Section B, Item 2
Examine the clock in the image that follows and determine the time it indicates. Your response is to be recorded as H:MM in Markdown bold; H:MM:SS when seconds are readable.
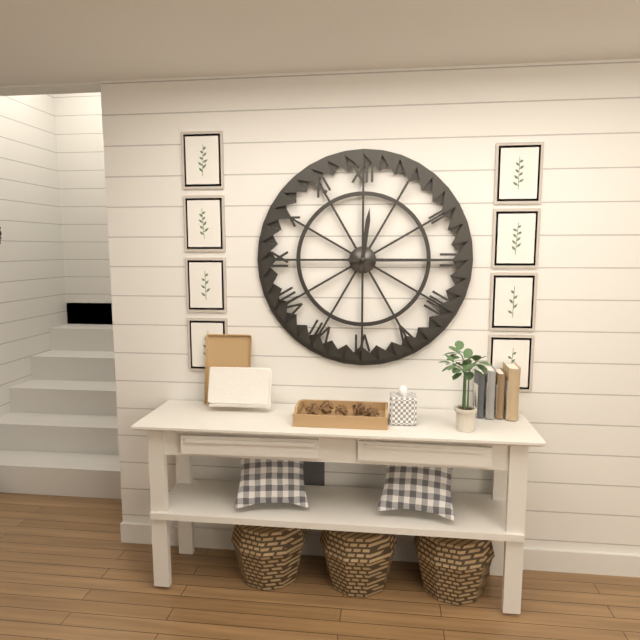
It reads **12:15**
